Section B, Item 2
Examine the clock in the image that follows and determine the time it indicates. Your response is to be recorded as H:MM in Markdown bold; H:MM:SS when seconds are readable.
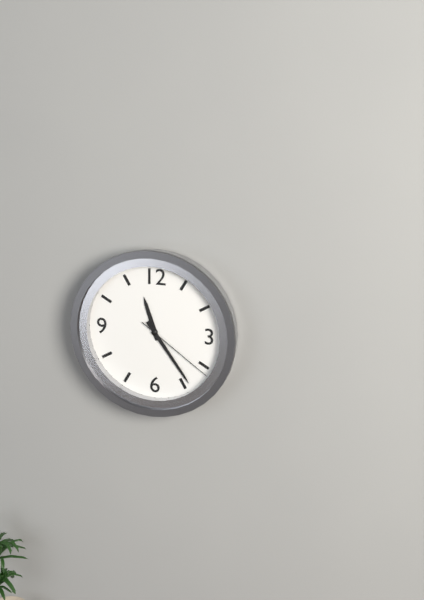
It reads **11:24:21**
